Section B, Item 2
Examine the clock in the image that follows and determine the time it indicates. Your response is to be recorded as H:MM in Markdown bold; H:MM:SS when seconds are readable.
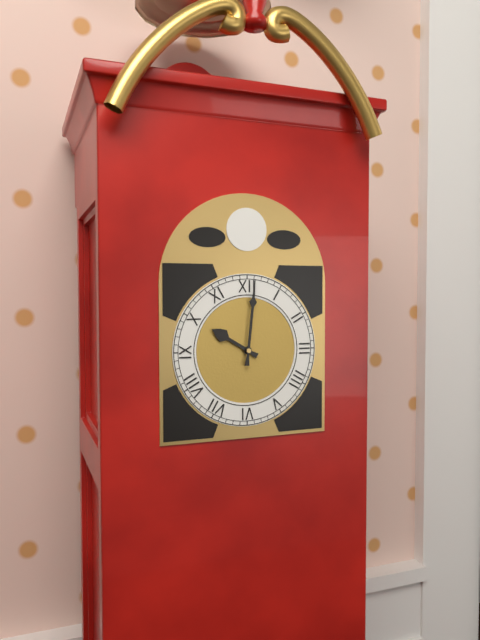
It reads **10:01**
